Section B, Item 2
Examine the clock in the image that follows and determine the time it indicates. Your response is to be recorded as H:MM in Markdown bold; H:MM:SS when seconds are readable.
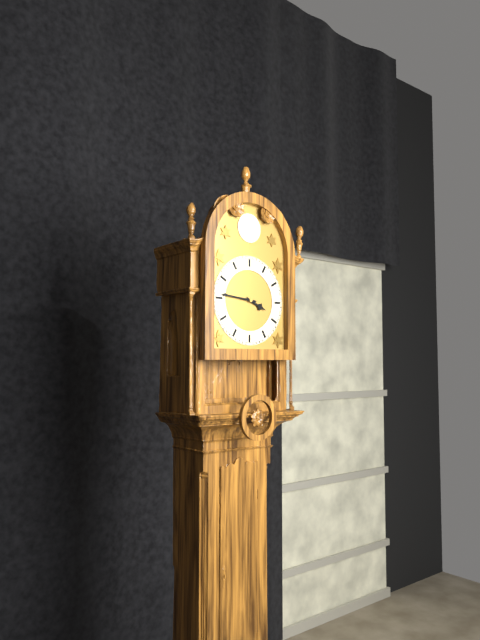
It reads **3:46**
